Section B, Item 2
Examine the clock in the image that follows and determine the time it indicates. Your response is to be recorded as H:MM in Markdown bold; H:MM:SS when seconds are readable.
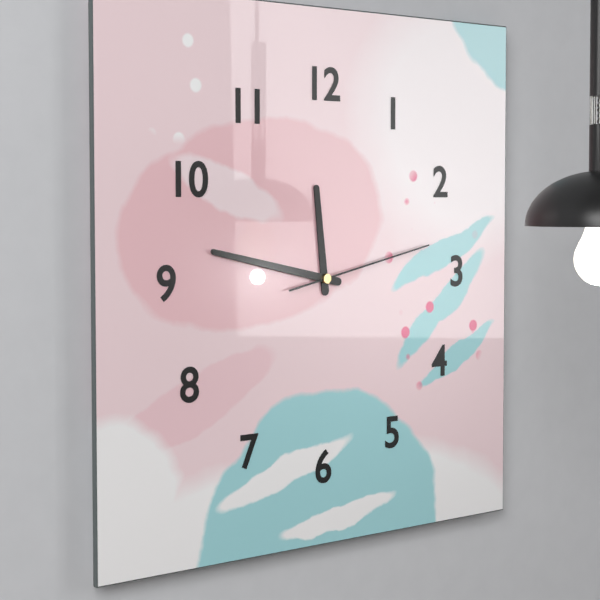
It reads **11:47:13**
